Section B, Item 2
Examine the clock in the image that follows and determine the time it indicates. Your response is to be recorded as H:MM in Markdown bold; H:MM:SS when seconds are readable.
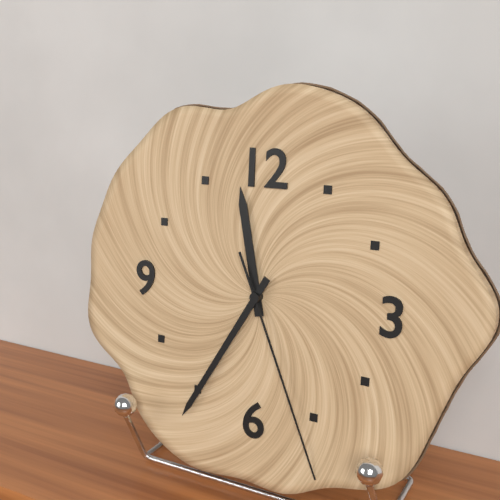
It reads **11:35:26**
